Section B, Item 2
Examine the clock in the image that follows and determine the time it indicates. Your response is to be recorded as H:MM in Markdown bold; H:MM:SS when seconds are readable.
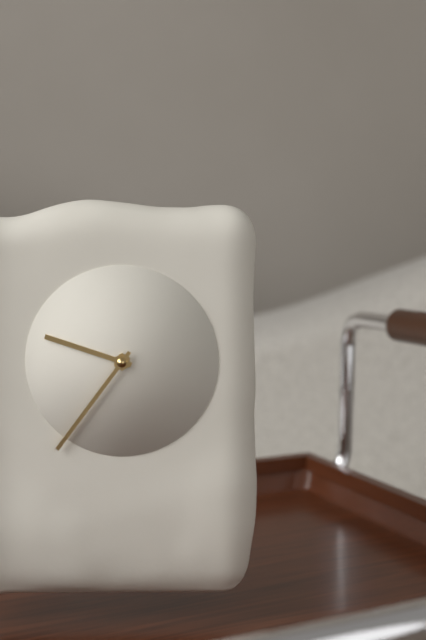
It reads **9:36**
